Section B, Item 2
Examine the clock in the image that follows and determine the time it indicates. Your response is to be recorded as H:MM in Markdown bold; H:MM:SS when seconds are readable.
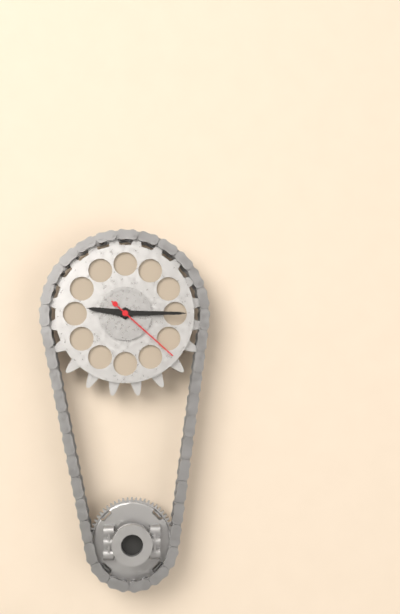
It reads **9:15:22**
